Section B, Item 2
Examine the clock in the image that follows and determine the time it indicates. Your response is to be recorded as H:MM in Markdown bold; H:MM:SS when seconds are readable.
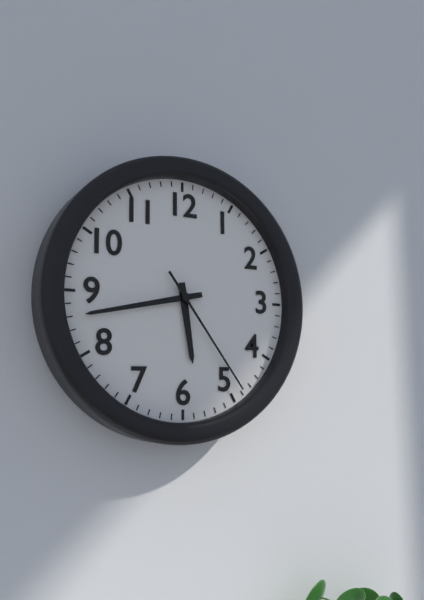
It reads **5:43:24**
